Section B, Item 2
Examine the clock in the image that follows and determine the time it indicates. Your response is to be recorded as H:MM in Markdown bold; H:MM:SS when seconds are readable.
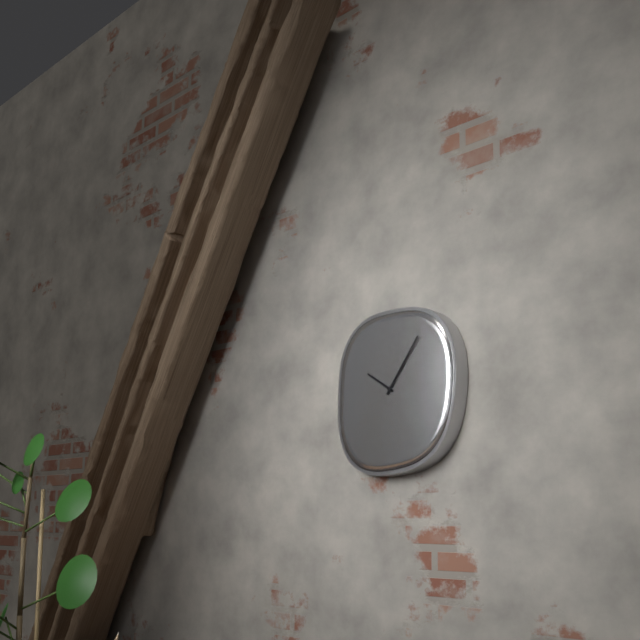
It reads **10:06**
